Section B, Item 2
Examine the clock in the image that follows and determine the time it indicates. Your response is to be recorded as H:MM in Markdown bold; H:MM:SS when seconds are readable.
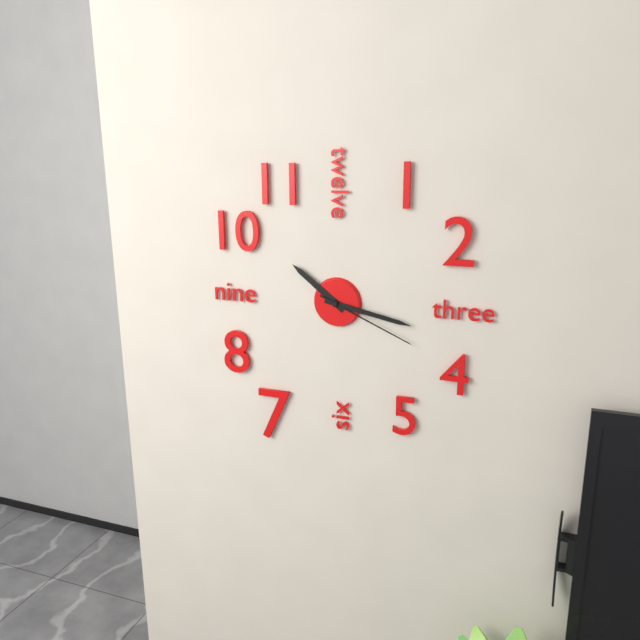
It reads **10:17:19**
